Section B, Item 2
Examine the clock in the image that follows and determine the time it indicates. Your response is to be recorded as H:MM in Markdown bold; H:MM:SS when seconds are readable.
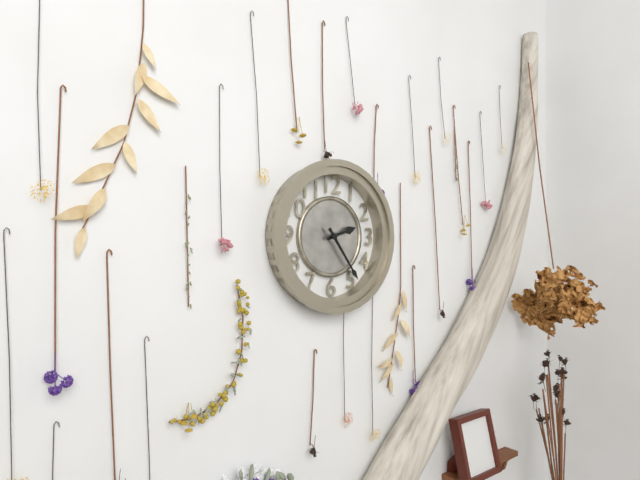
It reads **2:24**
